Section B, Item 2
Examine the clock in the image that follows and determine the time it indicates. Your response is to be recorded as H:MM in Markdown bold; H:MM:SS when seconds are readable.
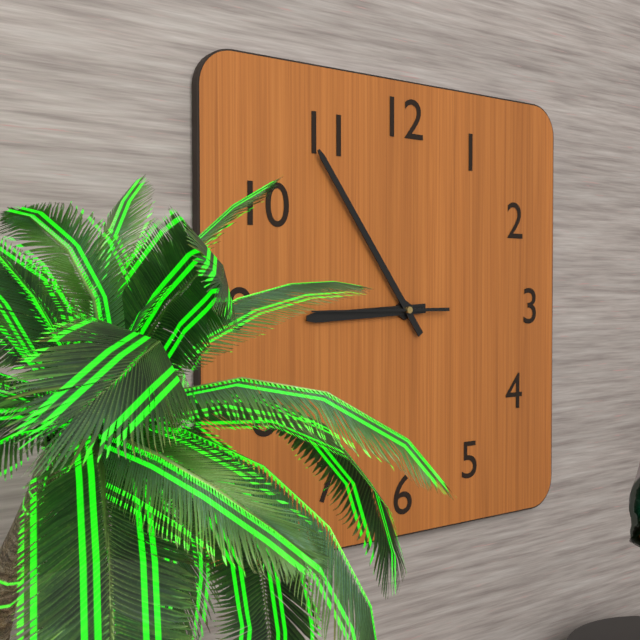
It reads **8:54:45**
